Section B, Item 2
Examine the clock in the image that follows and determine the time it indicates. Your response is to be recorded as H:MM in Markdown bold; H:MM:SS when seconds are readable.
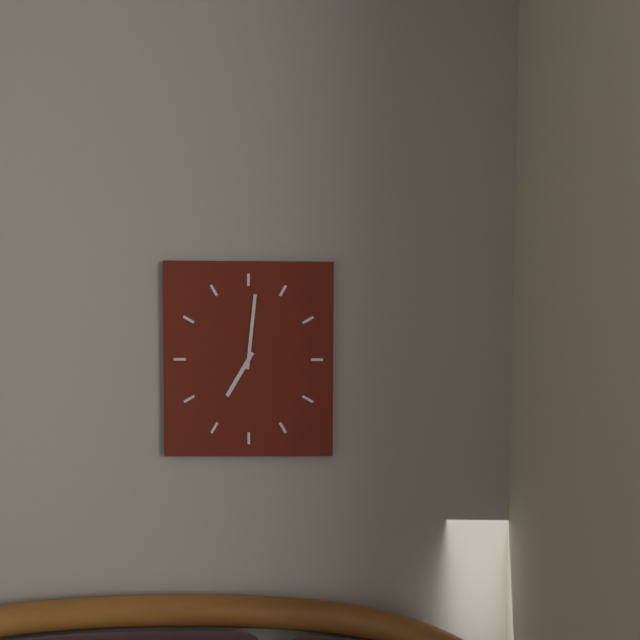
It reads **7:01**
